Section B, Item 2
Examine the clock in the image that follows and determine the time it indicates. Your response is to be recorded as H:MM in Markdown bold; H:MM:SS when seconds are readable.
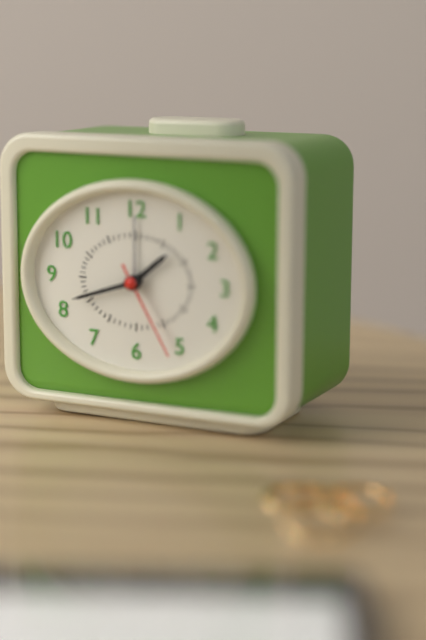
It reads **1:42:25**
